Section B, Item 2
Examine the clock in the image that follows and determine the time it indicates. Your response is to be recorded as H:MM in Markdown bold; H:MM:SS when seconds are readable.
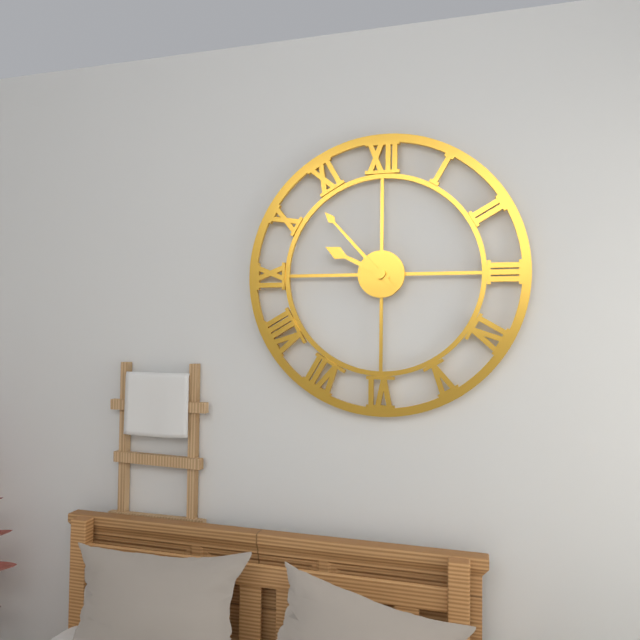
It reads **9:53**
